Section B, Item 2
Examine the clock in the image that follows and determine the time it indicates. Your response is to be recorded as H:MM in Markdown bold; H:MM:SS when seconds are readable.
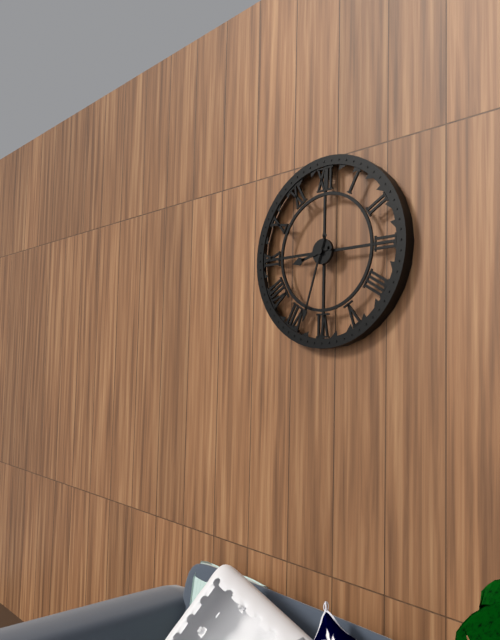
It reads **8:33**
